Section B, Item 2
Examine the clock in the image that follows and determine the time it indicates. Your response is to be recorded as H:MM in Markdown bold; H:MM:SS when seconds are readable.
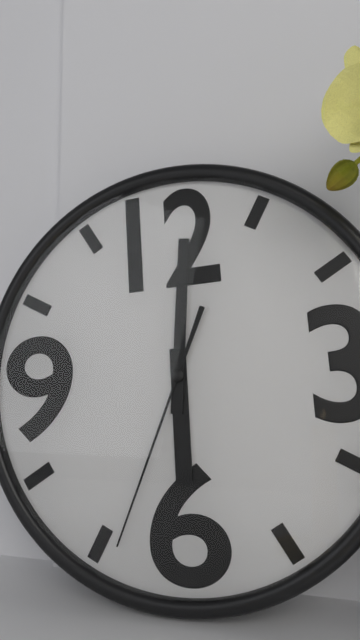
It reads **6:01:34**
